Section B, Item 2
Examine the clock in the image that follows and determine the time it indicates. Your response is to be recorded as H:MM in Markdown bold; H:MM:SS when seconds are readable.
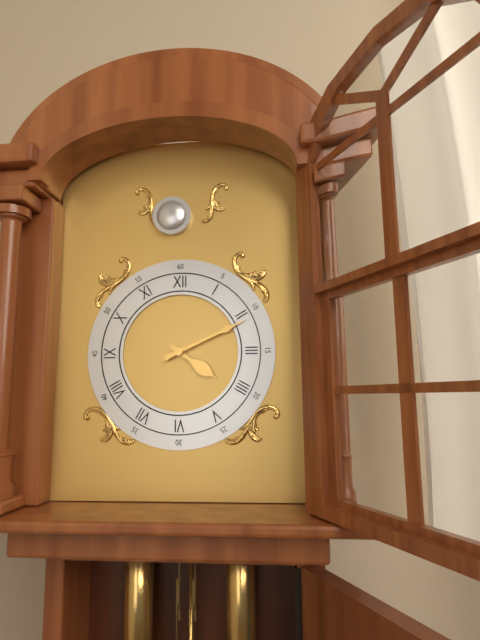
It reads **4:11**
